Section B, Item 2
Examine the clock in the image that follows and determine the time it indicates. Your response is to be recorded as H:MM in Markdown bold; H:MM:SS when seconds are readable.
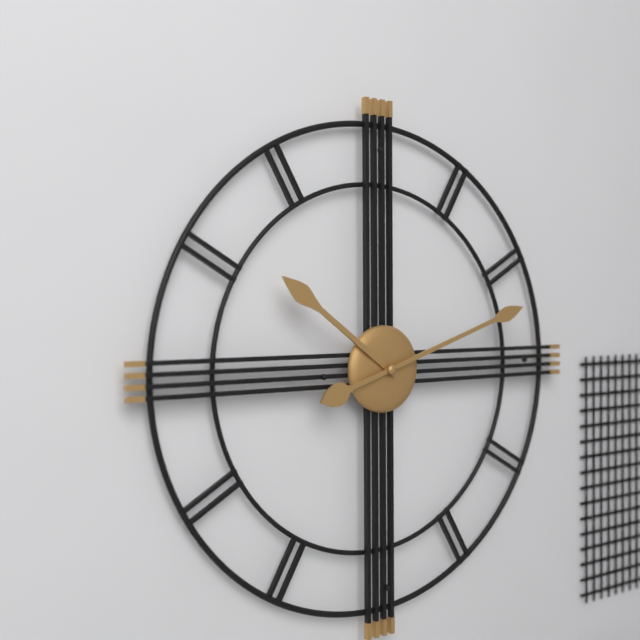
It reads **10:12**
